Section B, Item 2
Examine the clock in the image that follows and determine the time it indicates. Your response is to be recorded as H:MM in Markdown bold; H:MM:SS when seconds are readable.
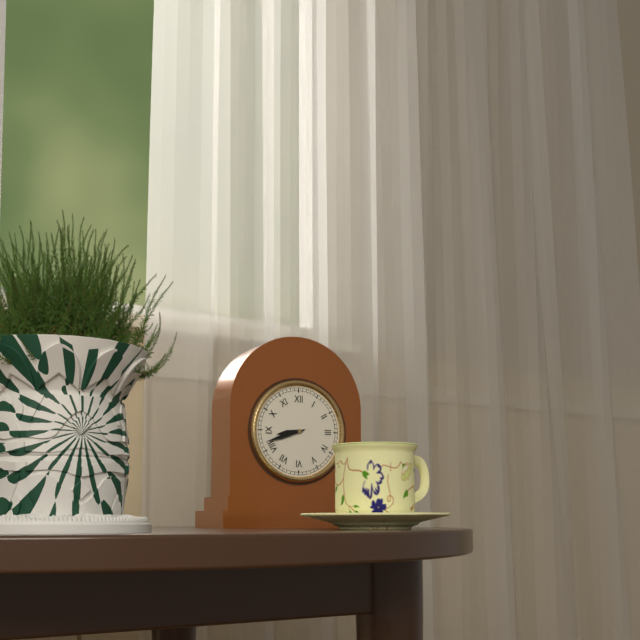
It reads **8:42**
